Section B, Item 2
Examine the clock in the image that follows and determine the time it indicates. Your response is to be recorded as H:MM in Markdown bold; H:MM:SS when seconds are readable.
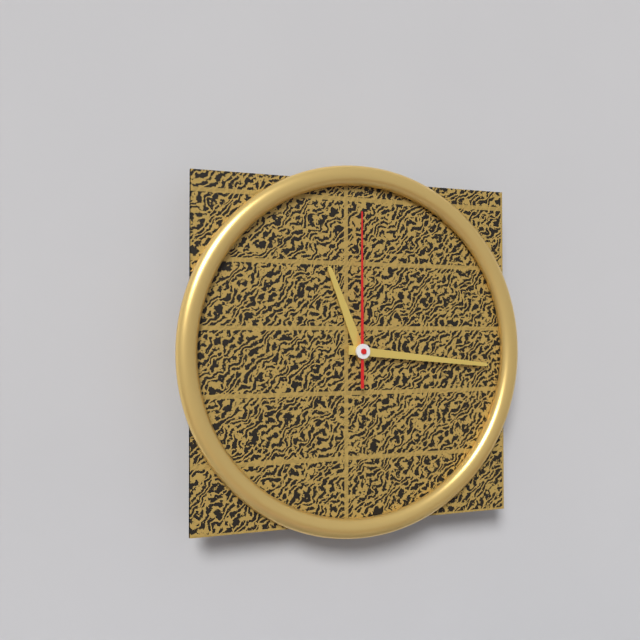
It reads **11:16:00**
